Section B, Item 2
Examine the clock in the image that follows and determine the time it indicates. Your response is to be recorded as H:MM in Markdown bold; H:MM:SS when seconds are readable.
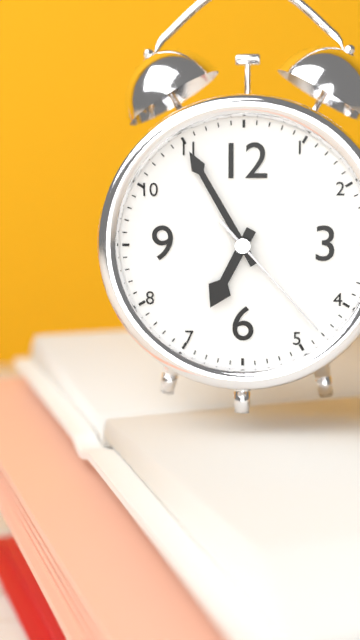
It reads **6:55:23**
